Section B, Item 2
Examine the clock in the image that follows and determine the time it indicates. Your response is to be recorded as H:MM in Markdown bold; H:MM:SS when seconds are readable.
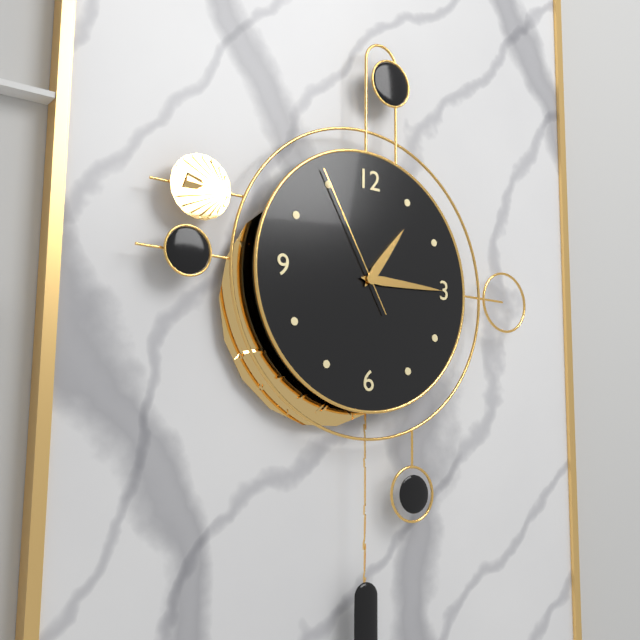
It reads **1:15:55**
